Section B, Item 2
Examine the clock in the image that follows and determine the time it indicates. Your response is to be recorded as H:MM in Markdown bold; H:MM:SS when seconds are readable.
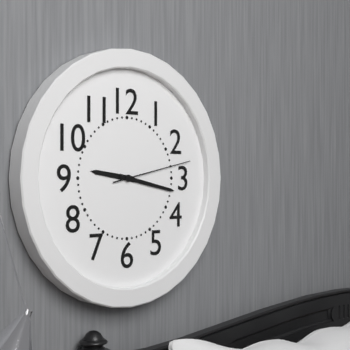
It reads **9:17:13**
